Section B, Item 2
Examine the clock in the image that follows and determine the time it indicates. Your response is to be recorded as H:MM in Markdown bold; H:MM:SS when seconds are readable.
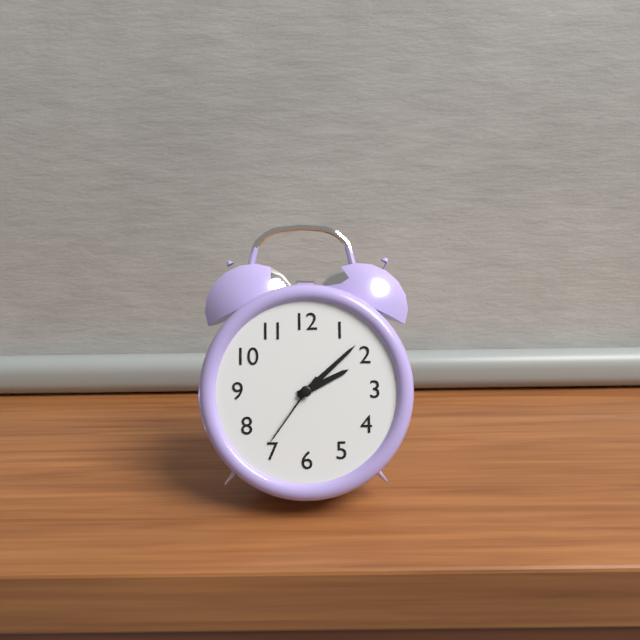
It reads **2:08:36**
